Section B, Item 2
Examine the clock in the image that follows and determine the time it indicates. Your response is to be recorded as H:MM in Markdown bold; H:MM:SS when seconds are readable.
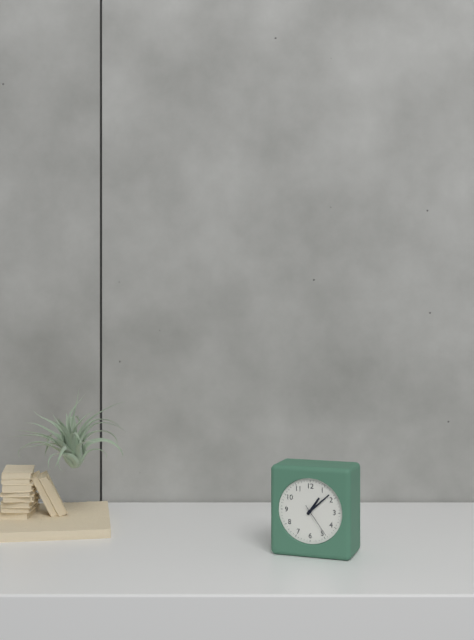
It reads **1:08**
